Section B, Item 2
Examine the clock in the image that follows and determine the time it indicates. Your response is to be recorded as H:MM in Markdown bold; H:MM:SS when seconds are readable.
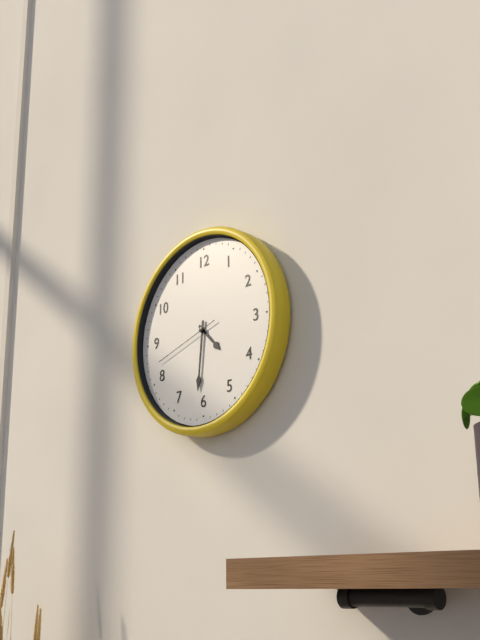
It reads **4:31:42**
